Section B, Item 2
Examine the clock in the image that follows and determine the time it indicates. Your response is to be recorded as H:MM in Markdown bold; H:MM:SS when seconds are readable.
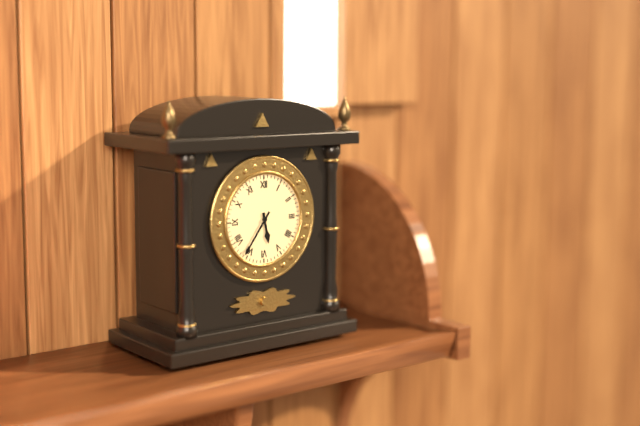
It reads **5:36**
